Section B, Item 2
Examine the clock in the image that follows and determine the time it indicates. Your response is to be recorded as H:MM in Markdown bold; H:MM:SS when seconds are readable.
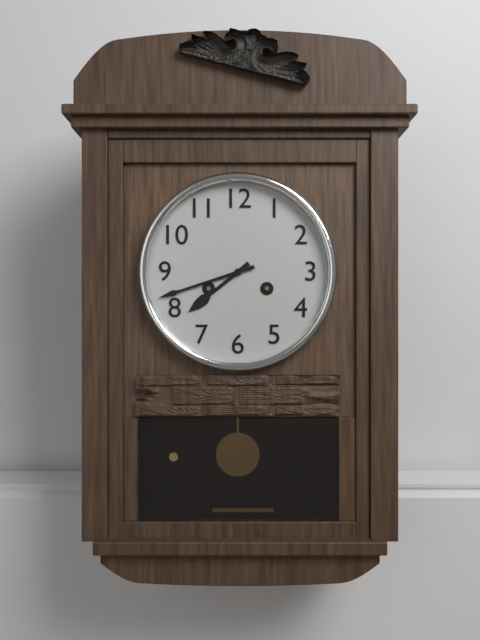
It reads **7:42**
